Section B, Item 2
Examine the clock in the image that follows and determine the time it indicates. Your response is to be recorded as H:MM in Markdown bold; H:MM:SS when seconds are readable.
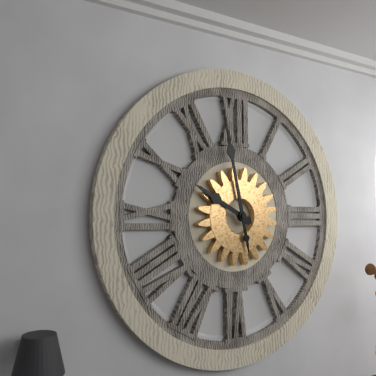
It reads **9:58**
